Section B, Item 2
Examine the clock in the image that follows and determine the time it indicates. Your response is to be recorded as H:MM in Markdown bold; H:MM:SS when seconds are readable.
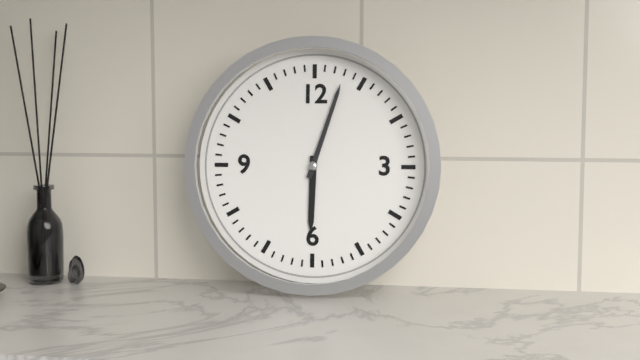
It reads **6:03**
